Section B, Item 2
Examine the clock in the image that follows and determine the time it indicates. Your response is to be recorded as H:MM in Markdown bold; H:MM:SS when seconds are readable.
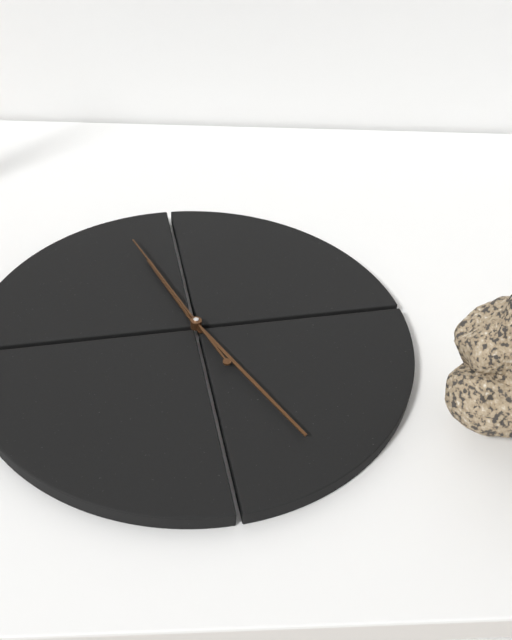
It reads **11:26:57**
